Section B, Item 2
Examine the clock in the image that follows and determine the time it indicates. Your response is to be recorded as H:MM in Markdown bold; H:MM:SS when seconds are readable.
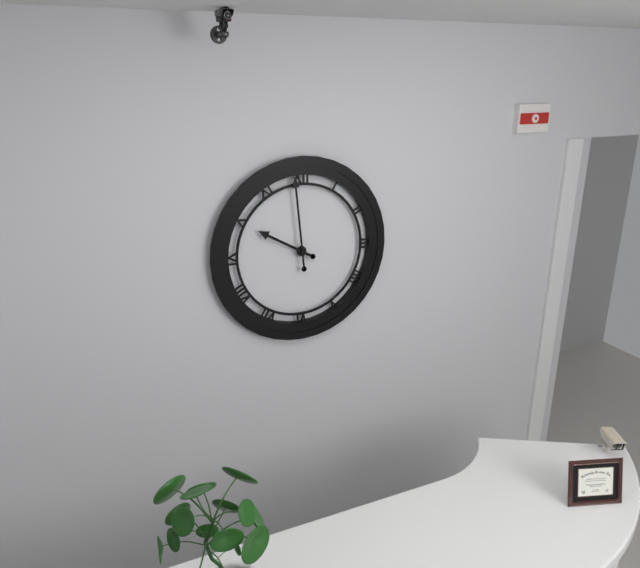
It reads **9:59**
